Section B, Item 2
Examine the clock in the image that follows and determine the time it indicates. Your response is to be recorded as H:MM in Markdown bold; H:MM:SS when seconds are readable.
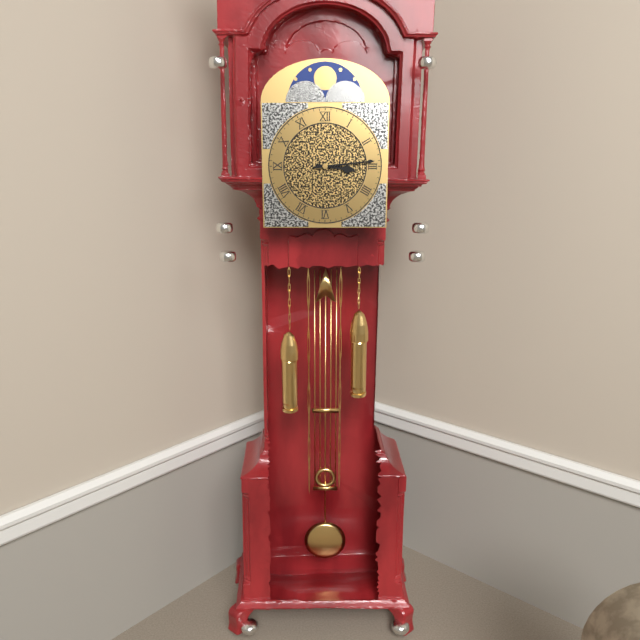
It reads **3:14**
